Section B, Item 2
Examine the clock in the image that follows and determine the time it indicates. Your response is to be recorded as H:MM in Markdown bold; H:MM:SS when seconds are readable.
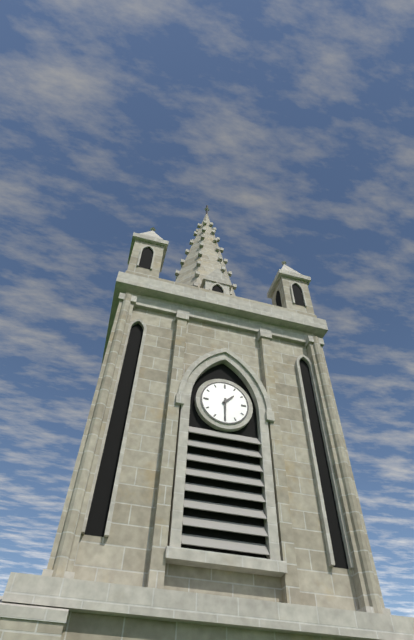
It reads **1:30**
